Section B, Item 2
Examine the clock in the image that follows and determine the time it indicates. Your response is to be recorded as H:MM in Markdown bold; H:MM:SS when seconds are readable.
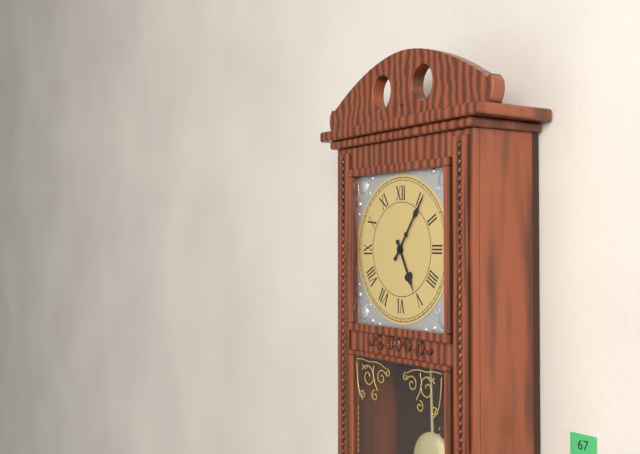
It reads **5:06**
